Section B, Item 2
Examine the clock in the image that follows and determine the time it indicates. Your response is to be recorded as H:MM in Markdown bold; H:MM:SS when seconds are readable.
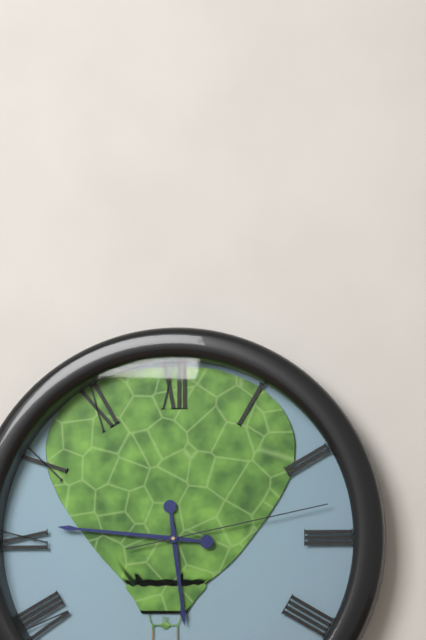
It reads **5:46:13**
